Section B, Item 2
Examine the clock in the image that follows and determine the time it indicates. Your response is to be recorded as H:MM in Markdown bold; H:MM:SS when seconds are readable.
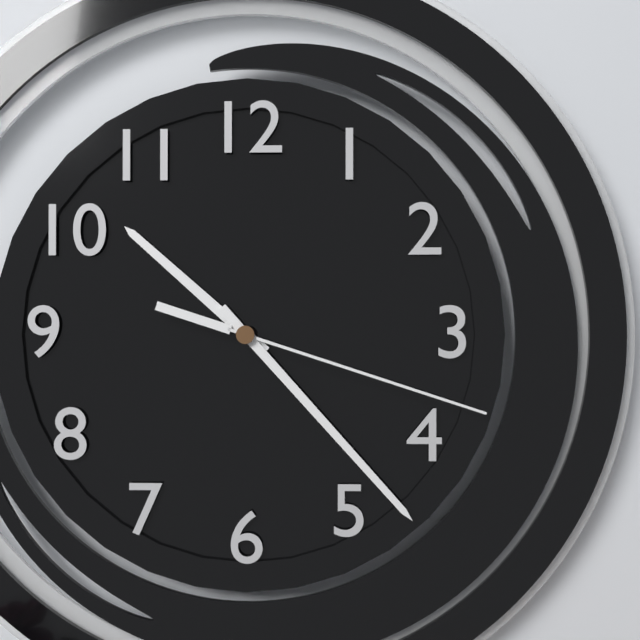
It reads **10:23:18**
